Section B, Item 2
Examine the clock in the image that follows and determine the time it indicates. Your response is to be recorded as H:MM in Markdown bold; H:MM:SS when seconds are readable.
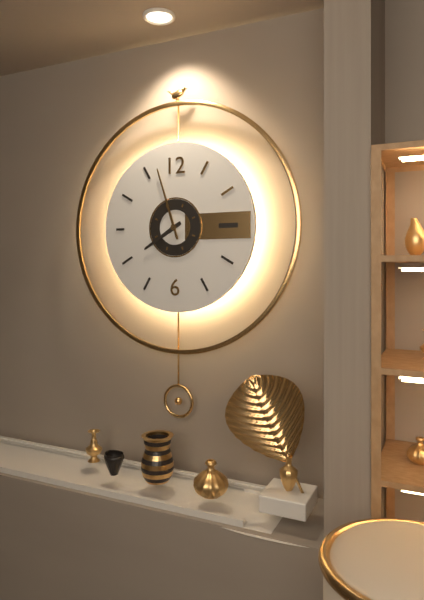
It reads **7:57**
